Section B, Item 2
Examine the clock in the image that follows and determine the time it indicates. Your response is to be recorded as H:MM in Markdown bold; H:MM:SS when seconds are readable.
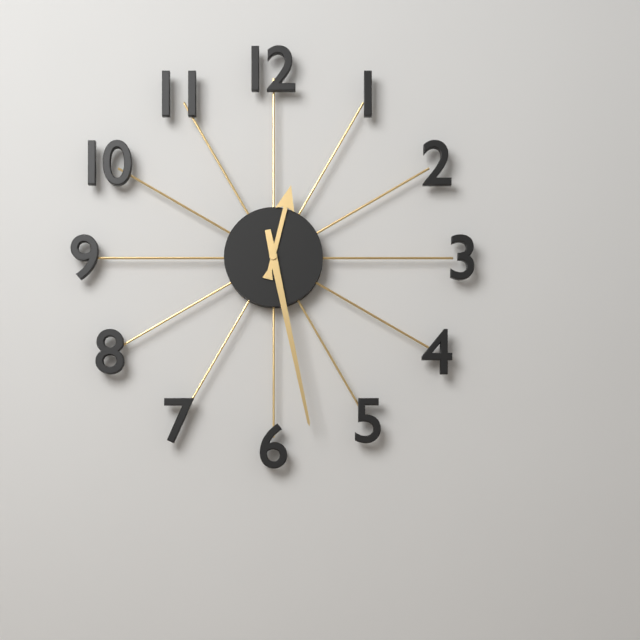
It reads **12:28**
